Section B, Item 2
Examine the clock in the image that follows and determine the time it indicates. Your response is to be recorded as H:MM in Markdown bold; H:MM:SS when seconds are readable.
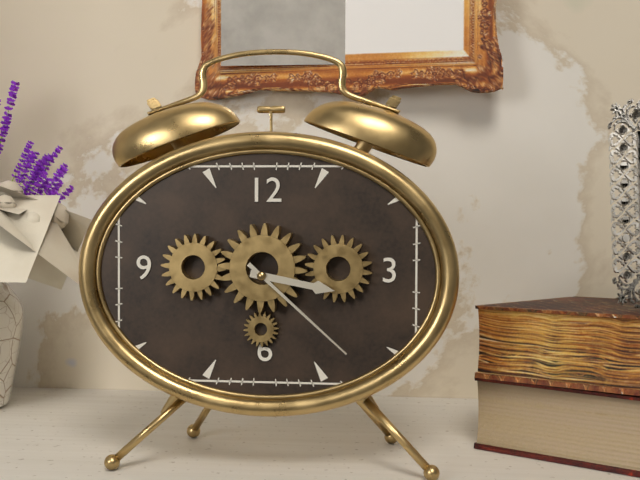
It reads **3:22**
